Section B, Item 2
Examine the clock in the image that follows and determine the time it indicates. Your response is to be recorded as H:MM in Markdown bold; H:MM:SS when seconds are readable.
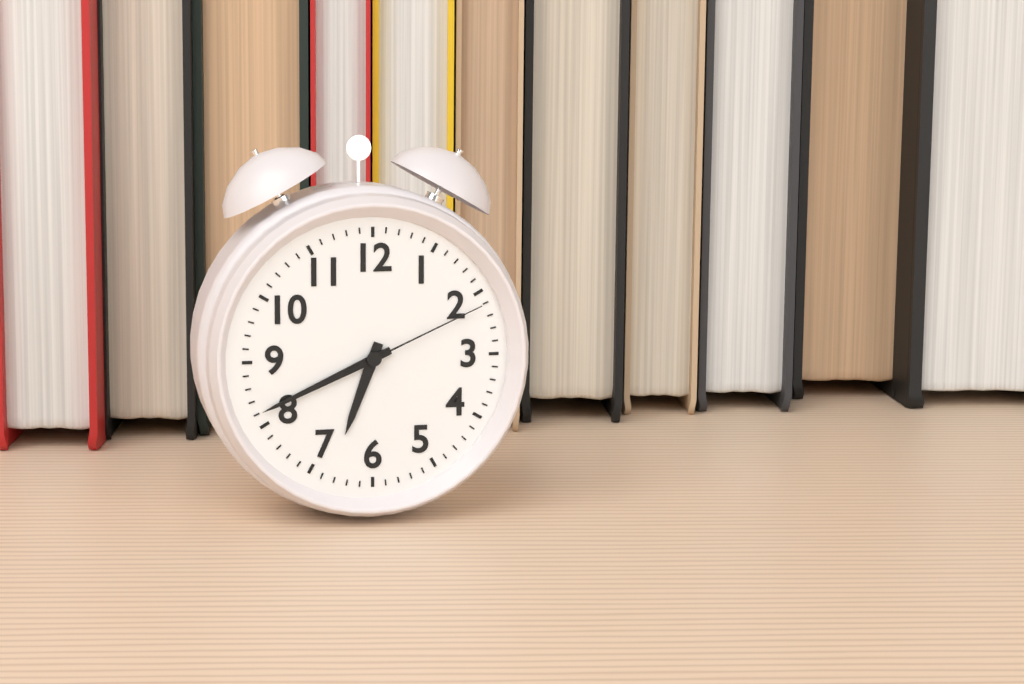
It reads **6:41:11**
